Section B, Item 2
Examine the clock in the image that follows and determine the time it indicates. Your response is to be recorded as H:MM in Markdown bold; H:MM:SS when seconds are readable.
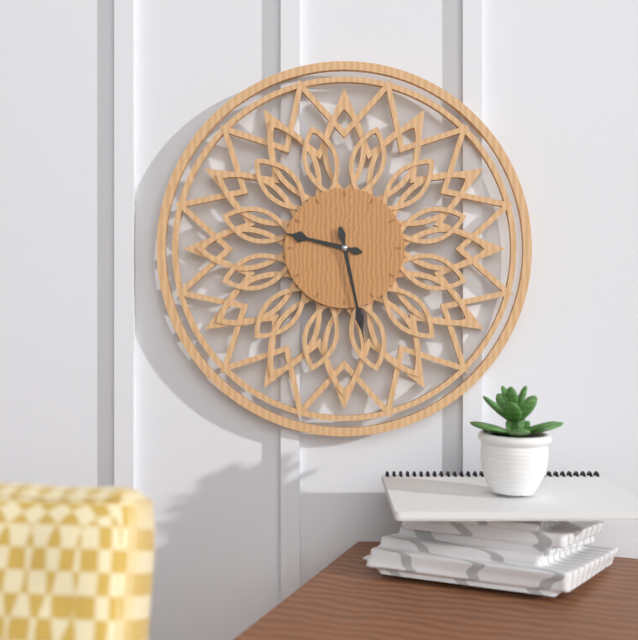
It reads **9:28**
